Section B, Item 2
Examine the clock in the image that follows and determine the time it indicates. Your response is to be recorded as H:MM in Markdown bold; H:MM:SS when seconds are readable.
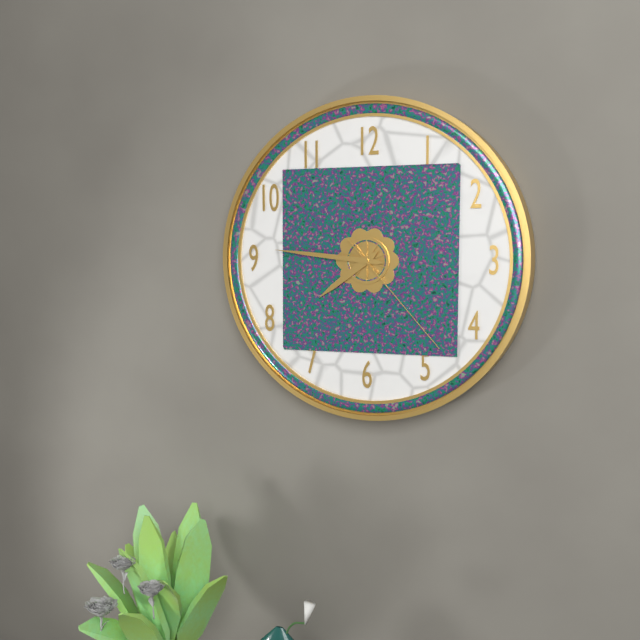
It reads **7:46:23**
